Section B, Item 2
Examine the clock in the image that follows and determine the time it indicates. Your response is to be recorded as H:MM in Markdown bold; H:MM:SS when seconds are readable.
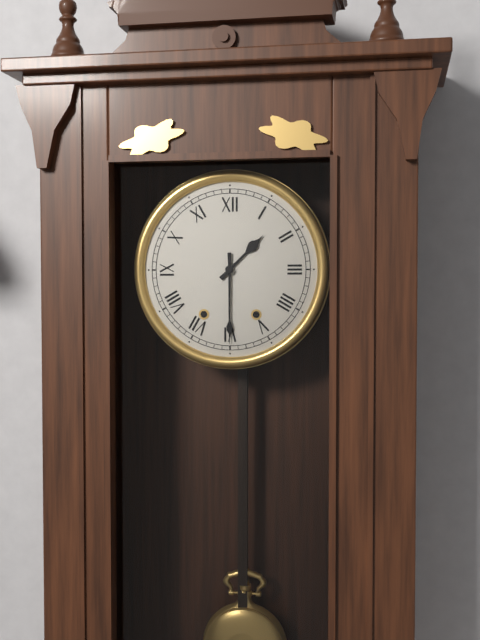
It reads **1:30**
